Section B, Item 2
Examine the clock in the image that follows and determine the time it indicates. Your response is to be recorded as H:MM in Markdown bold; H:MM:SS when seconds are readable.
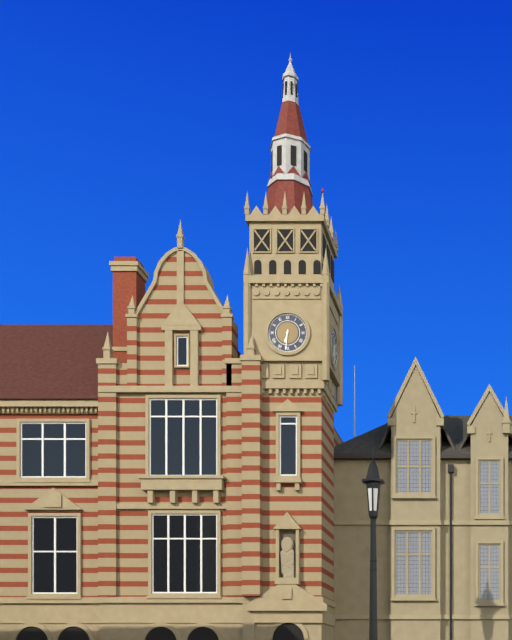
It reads **6:31**
